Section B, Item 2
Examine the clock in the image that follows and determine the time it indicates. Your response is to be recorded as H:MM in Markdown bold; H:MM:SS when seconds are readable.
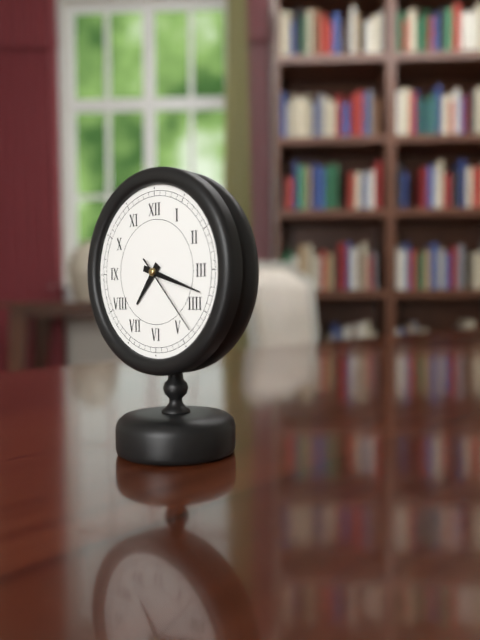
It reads **7:18:23**
